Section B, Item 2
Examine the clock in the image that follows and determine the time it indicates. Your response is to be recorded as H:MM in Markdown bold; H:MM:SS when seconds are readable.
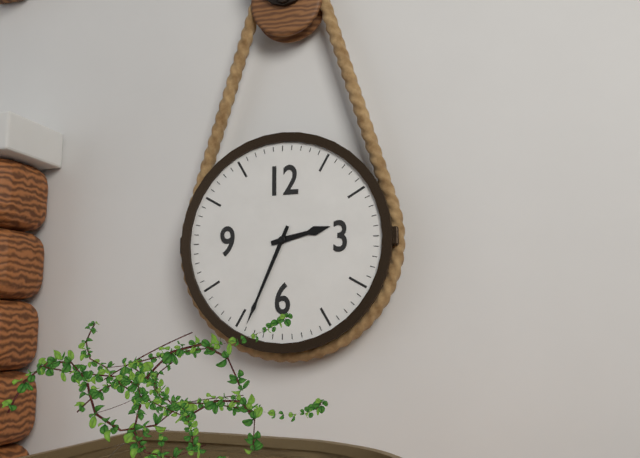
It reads **2:34**
